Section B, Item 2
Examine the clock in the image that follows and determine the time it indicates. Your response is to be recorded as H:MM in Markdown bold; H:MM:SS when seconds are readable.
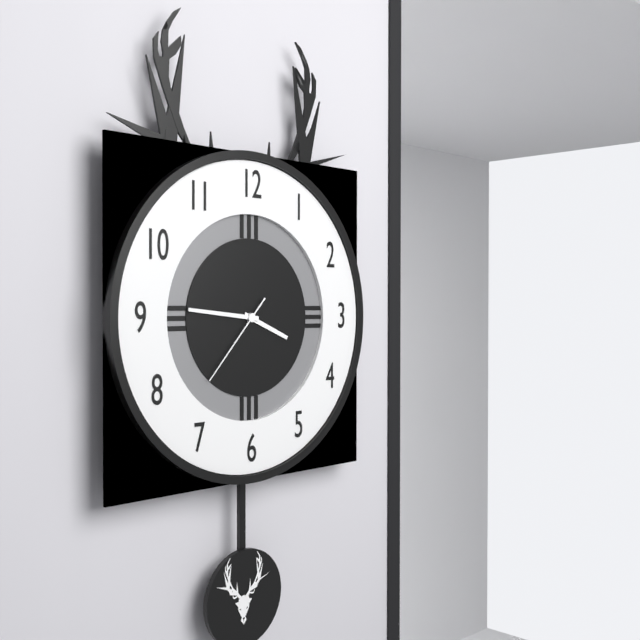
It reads **3:46:37**
